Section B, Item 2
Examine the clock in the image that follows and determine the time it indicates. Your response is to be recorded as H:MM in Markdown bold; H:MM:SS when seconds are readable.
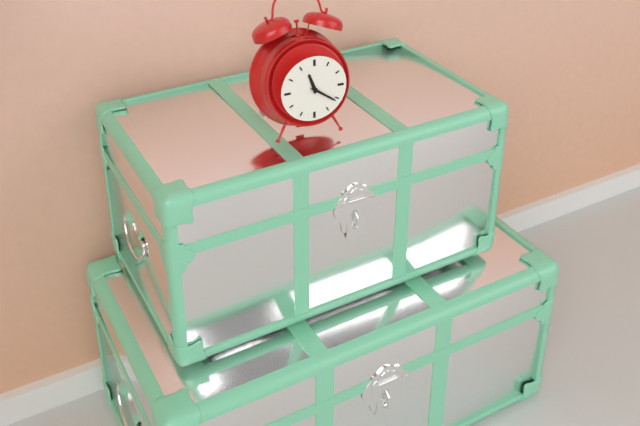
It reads **11:21**
